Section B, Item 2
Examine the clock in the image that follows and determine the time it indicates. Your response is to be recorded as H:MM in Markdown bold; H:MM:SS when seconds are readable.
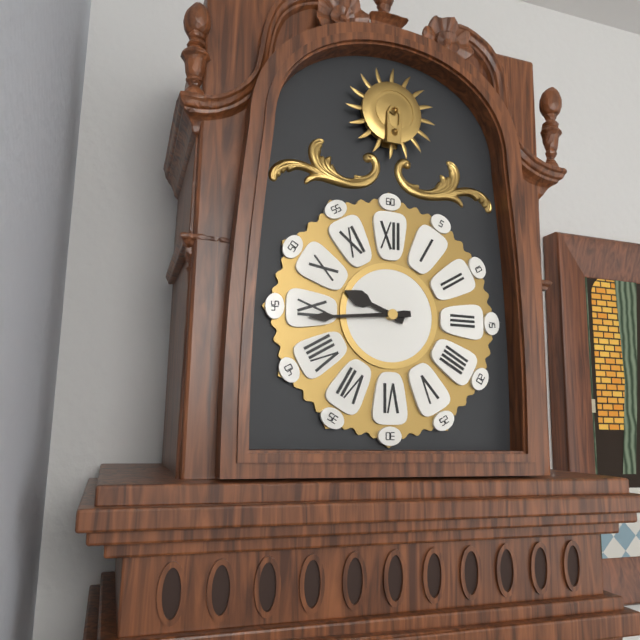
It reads **9:44**
